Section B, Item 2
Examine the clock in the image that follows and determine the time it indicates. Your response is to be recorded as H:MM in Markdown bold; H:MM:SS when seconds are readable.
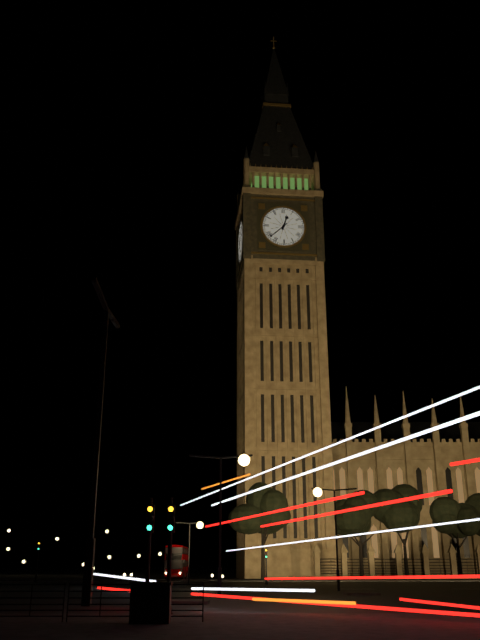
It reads **12:38**
